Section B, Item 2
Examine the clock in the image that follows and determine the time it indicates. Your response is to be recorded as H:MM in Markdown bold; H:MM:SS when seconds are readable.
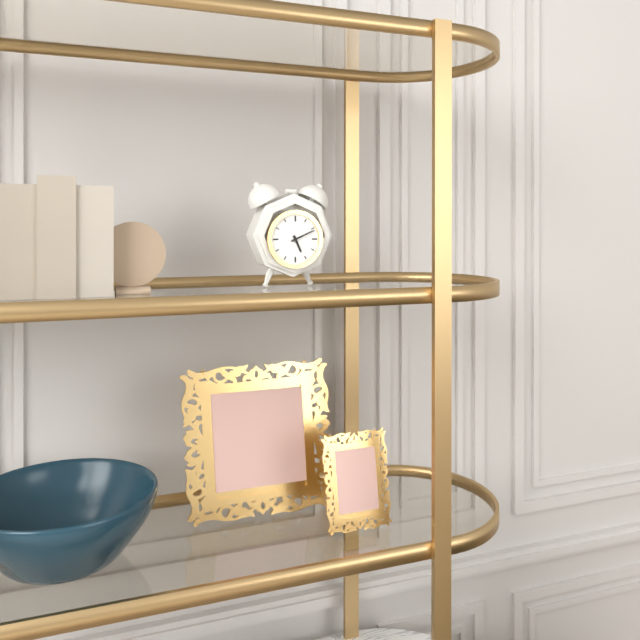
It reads **5:11**
